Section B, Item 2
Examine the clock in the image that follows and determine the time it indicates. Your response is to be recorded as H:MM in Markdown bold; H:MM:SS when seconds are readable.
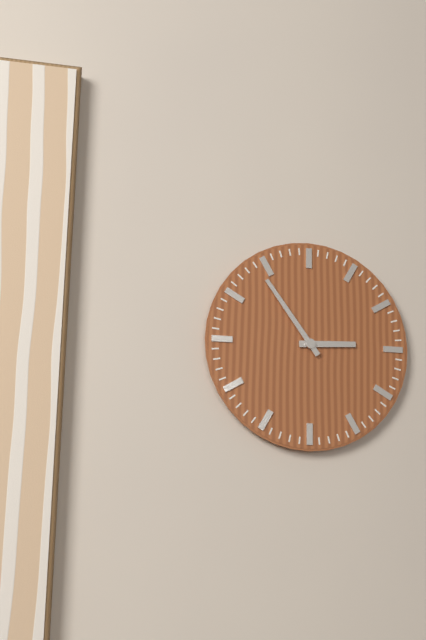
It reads **2:54**
